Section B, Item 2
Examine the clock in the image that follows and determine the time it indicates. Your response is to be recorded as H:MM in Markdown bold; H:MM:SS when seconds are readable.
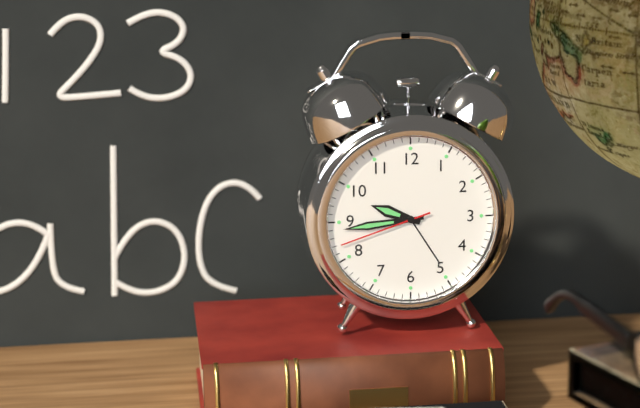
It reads **9:44:42**
